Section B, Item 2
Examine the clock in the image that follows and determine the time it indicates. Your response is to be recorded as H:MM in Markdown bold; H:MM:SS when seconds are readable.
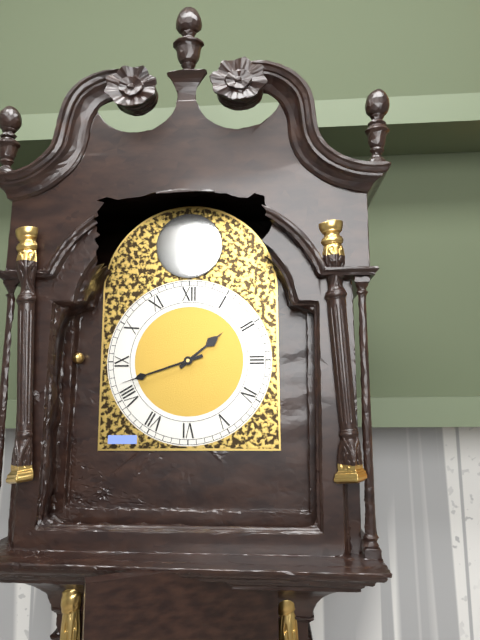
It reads **1:42**
